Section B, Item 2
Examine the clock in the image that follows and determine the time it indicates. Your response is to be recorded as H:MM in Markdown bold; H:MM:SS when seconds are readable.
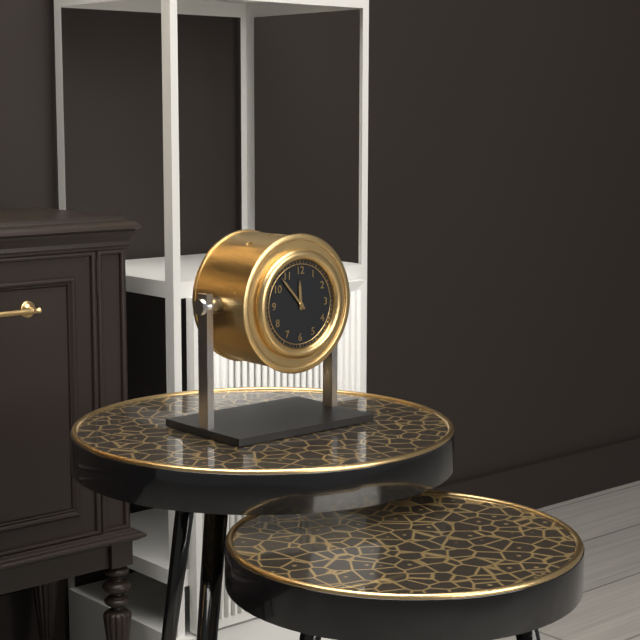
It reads **11:53**
